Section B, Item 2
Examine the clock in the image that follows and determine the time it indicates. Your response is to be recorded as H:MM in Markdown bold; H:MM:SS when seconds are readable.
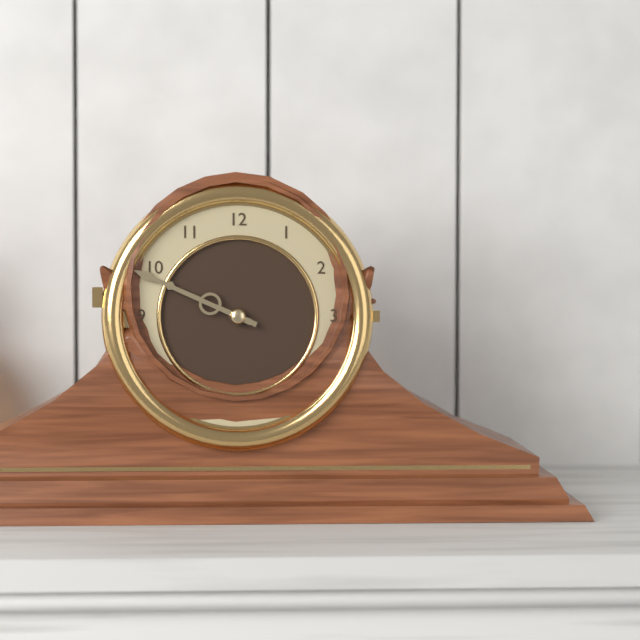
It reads **9:49**
